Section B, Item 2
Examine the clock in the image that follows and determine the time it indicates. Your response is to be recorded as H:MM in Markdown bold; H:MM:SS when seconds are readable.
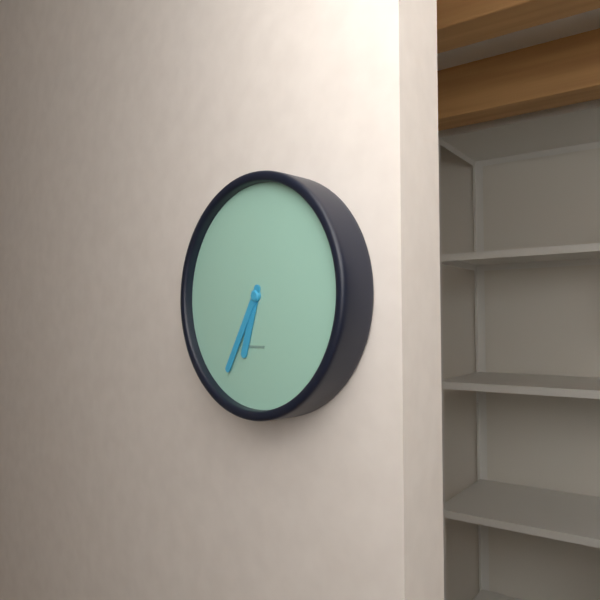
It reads **6:35**
